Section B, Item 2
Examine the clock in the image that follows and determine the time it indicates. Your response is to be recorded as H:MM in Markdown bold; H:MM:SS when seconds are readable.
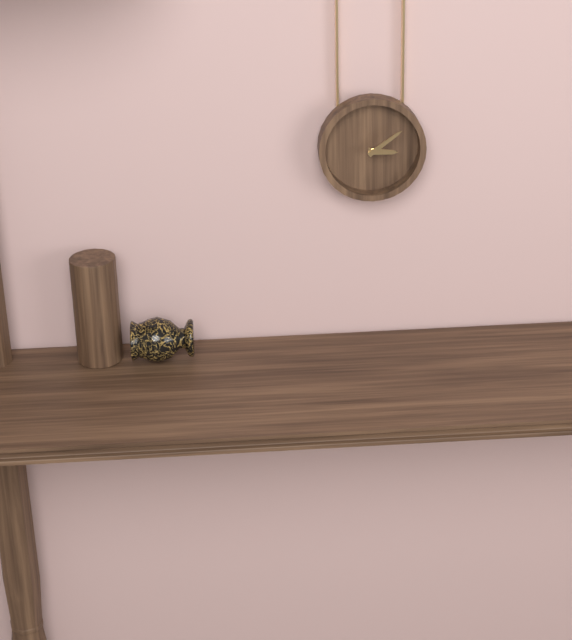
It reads **3:09**
